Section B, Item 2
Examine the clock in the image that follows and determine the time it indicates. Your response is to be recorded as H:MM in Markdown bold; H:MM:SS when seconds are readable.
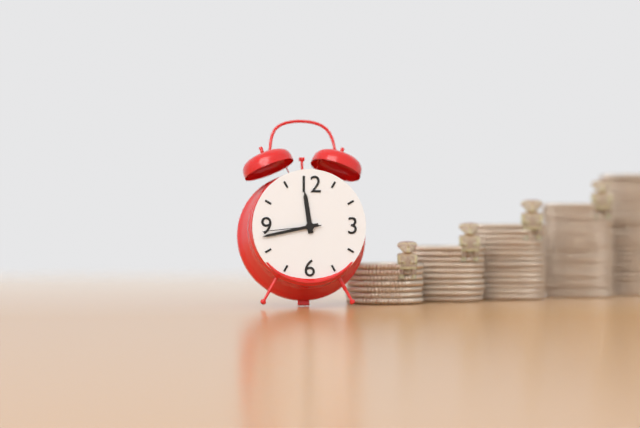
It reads **11:43:44**
